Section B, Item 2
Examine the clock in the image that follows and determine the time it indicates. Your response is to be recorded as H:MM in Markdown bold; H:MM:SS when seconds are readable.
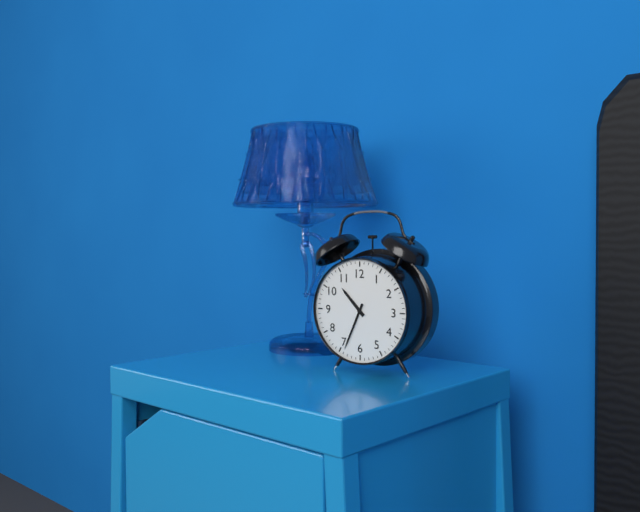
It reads **10:34**
